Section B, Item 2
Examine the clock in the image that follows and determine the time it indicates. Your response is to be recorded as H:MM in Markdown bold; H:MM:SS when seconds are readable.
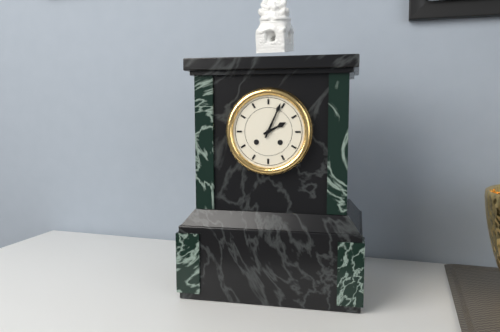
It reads **2:04**
